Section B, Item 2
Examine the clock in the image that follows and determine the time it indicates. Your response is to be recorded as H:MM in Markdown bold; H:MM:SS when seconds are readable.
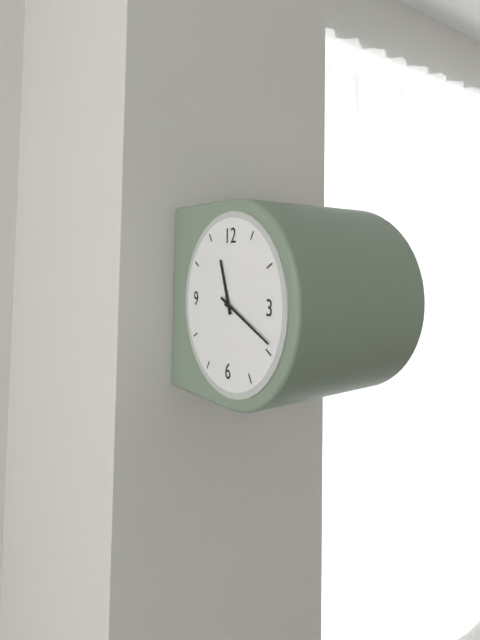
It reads **11:19**
